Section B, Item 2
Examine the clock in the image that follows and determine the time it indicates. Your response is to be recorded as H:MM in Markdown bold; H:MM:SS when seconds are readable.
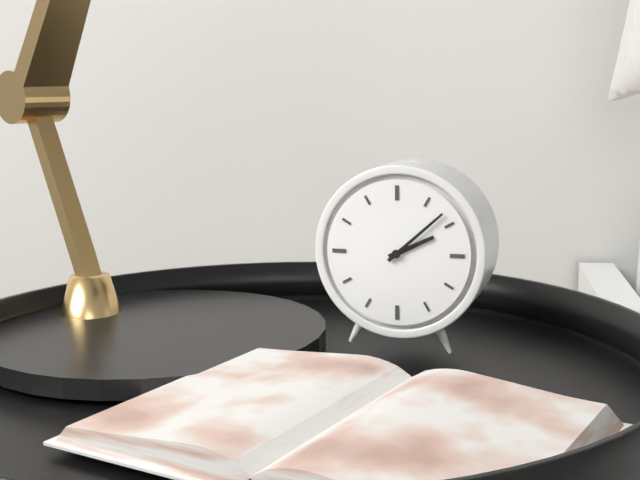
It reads **2:08**
